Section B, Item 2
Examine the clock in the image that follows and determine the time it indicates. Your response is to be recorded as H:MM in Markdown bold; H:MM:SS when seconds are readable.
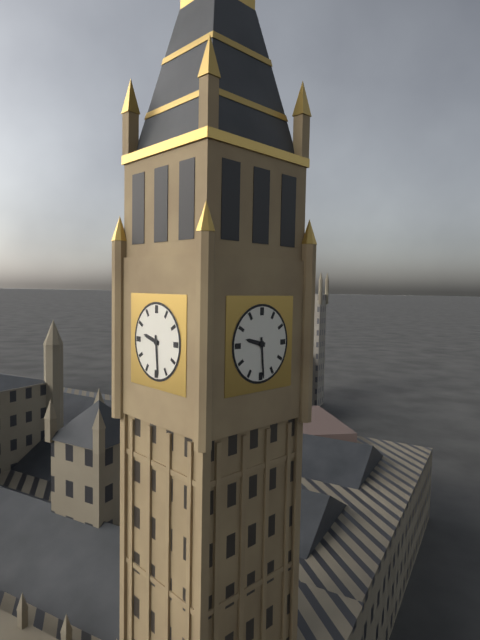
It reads **9:29**
